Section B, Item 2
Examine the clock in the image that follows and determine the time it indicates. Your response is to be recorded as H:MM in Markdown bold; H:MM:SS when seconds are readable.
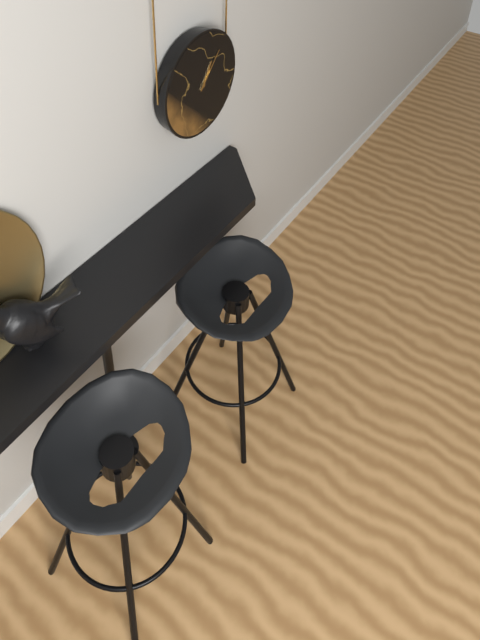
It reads **1:07**
